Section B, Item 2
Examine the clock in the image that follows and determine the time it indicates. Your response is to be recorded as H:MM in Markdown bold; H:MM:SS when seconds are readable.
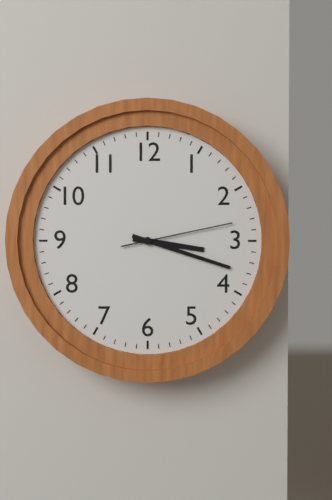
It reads **3:18:13**
